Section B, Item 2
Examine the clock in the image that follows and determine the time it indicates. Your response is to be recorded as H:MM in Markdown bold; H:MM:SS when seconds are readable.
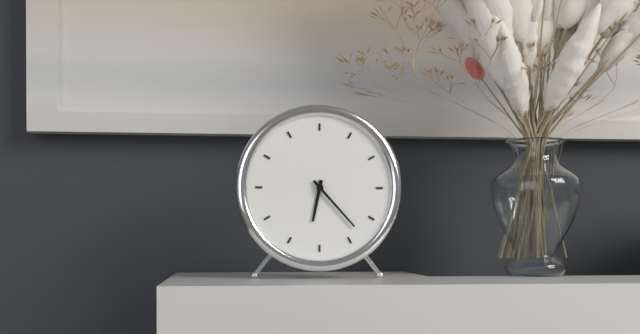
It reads **6:23**
